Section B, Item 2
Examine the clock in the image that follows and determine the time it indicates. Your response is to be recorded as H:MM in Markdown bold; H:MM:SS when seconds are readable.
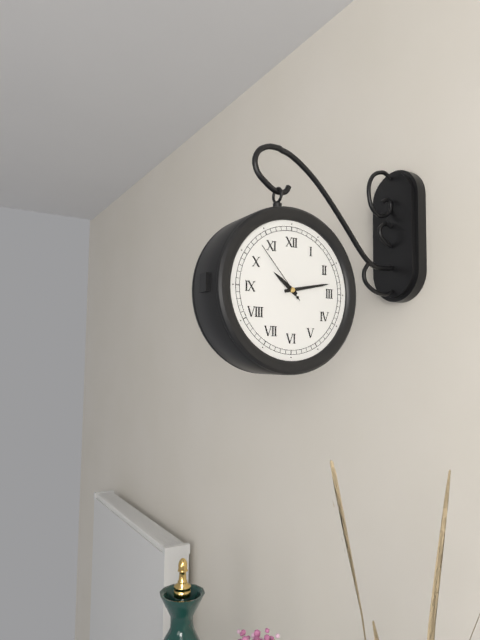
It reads **10:13:53**
